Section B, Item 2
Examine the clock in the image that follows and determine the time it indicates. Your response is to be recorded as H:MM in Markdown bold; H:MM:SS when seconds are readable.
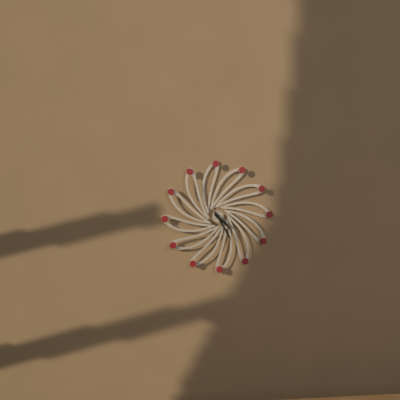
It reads **4:25**
